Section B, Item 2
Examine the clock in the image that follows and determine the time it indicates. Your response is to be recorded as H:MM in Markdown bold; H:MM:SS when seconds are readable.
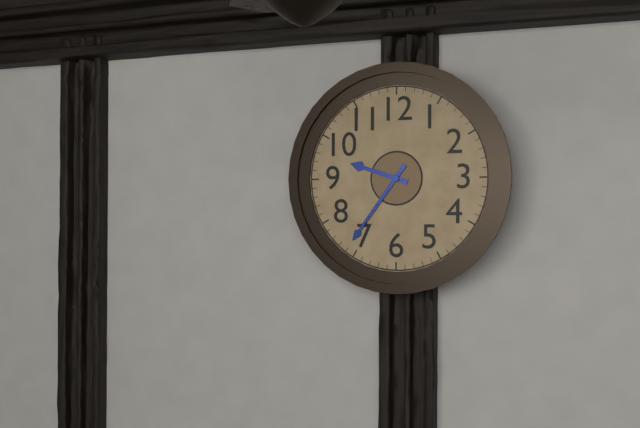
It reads **9:36**
